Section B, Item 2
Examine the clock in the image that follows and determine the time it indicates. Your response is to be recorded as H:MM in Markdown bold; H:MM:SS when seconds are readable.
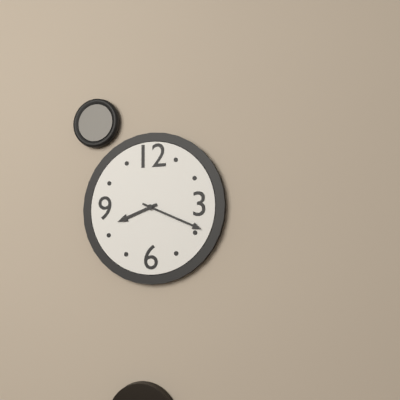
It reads **8:19**
